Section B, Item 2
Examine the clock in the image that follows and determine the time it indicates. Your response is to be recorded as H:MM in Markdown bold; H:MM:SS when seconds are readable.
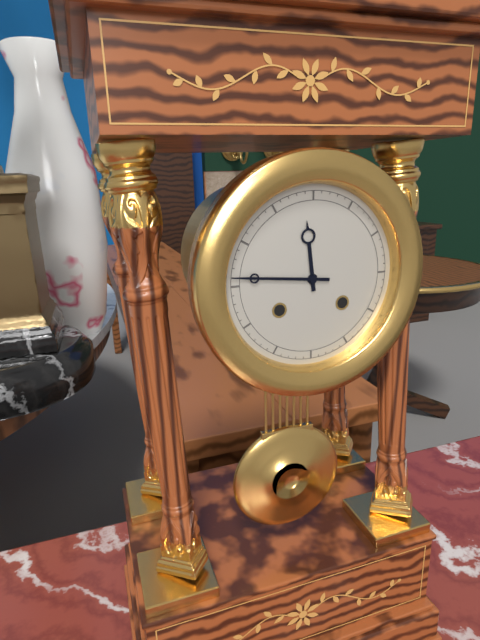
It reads **11:46**
